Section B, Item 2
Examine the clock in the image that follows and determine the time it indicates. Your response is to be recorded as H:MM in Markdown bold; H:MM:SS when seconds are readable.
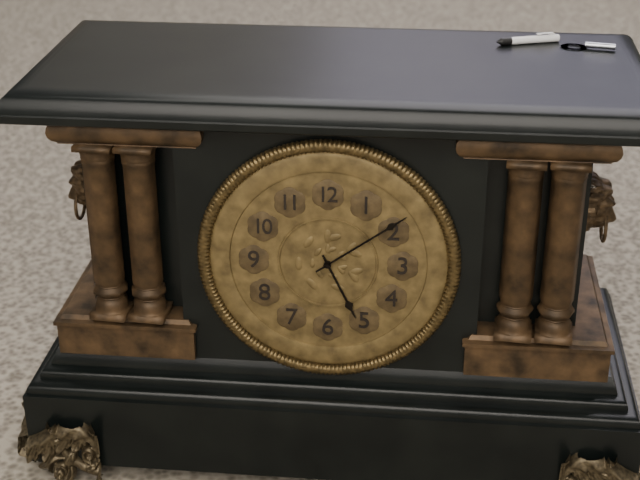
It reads **5:09**
